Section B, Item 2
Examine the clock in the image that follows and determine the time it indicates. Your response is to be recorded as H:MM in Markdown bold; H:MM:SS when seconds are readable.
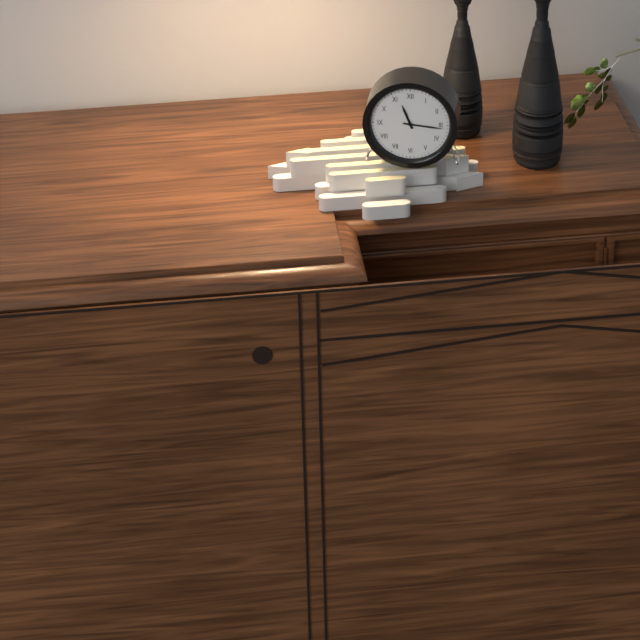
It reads **11:16**
